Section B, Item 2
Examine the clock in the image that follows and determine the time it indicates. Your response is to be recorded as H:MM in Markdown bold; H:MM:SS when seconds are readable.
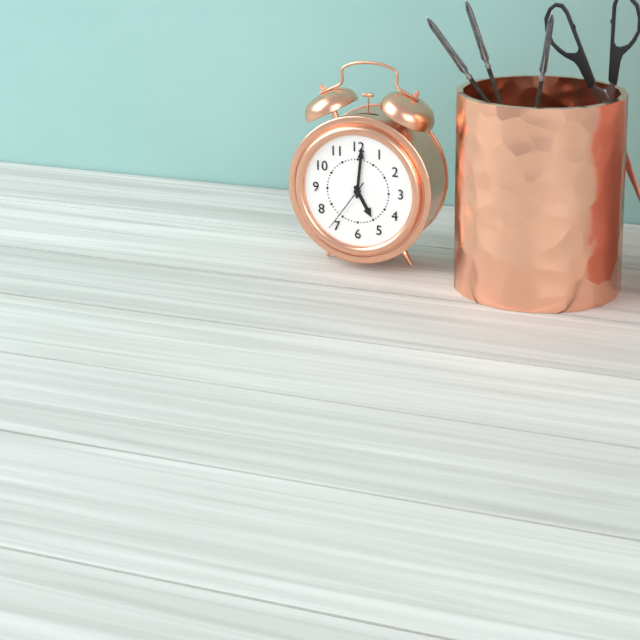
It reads **5:01:36**
